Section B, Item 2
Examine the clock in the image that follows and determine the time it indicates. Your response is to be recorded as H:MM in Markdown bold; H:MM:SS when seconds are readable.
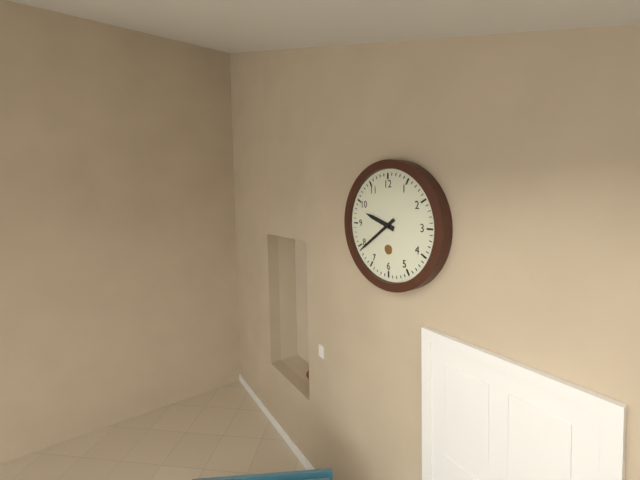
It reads **9:39**
